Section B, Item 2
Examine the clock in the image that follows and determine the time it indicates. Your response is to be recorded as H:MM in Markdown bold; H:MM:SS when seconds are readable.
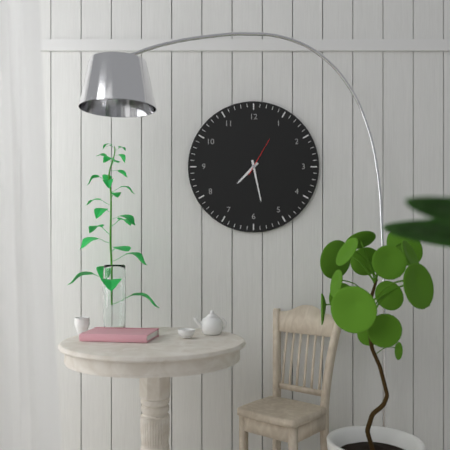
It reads **7:28**
